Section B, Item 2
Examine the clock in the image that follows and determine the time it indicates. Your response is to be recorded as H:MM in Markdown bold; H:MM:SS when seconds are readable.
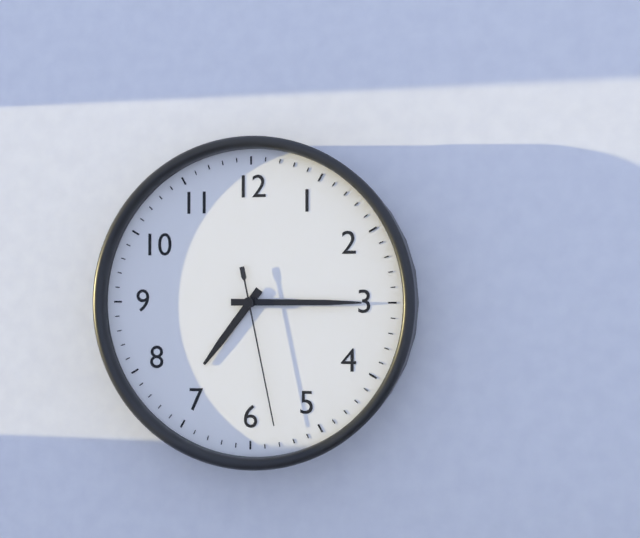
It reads **7:15:28**
